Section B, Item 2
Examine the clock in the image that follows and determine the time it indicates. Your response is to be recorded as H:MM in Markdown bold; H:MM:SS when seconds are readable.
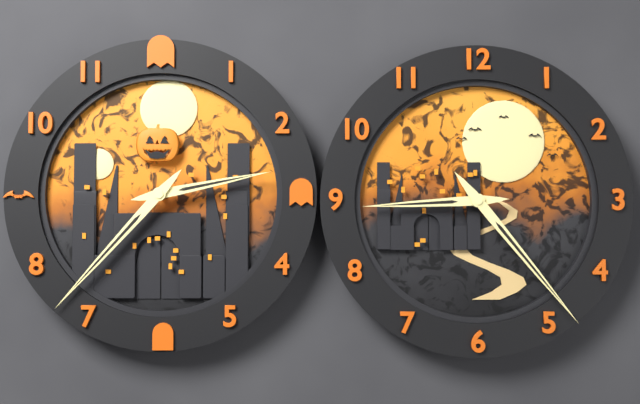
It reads **2:37**
